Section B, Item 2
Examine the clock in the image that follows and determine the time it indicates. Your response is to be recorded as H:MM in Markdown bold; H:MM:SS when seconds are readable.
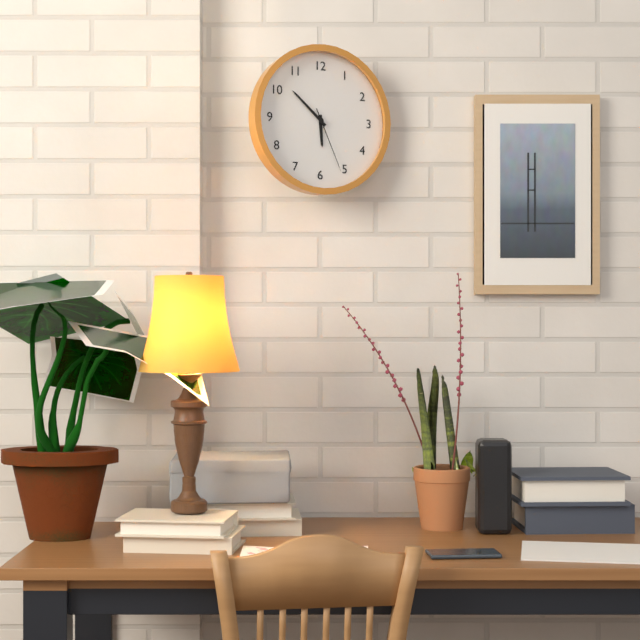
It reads **5:52:26**
